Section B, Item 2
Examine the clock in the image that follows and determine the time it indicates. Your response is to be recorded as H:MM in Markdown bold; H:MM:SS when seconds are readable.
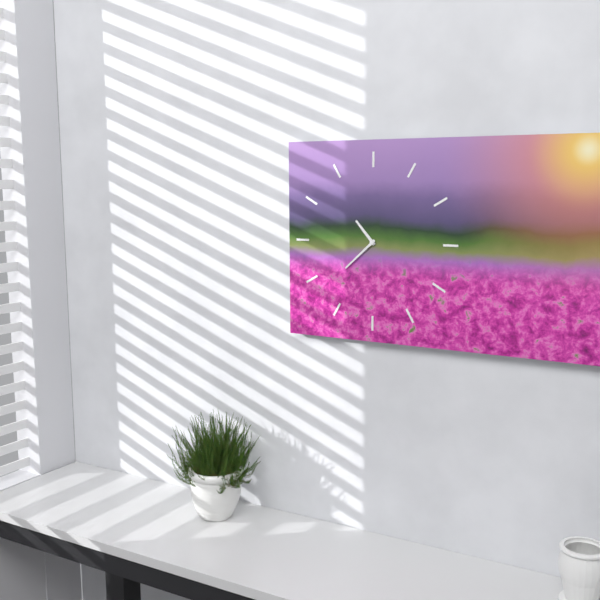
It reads **10:38**
